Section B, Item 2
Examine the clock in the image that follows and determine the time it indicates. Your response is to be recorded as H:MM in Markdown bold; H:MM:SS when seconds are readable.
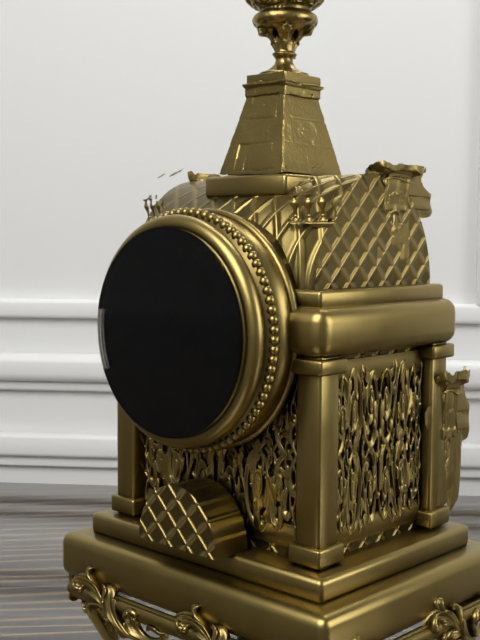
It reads **9:29**
